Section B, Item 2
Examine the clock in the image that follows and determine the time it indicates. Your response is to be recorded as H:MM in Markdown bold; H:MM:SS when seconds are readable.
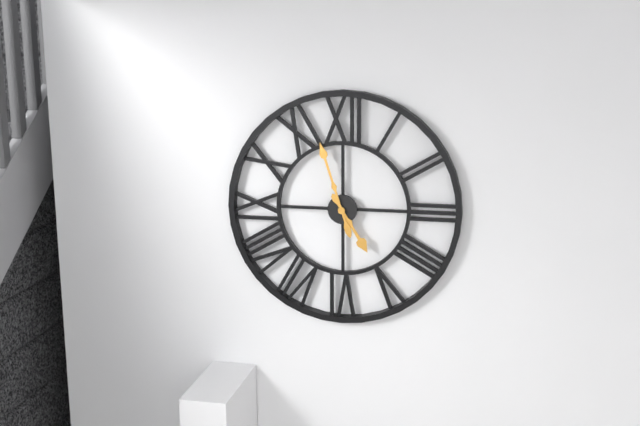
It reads **4:57**
